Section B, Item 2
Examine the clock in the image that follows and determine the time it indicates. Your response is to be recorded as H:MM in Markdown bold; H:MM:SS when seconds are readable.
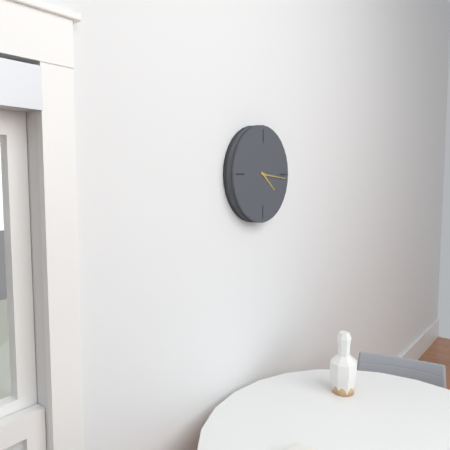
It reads **4:16**
